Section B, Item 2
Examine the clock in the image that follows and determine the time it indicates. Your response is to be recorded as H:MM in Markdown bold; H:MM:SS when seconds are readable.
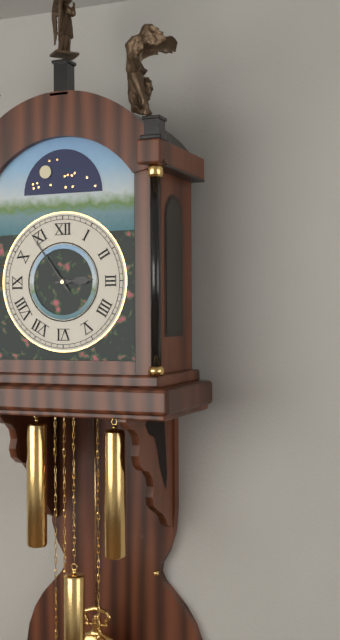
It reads **2:54**
